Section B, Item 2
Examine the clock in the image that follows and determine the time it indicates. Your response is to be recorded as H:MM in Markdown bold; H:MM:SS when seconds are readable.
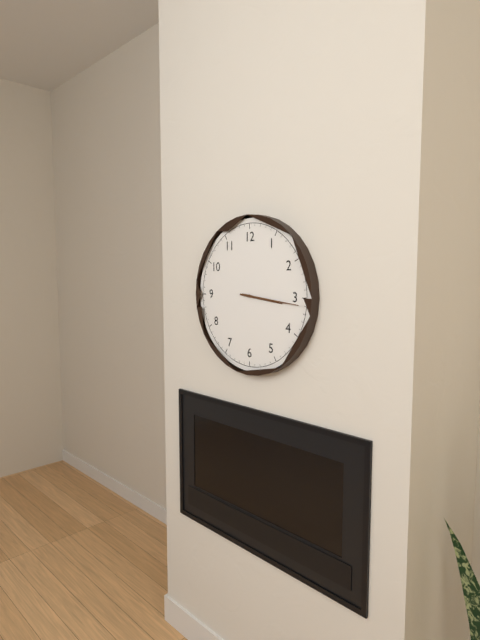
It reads **3:16**
